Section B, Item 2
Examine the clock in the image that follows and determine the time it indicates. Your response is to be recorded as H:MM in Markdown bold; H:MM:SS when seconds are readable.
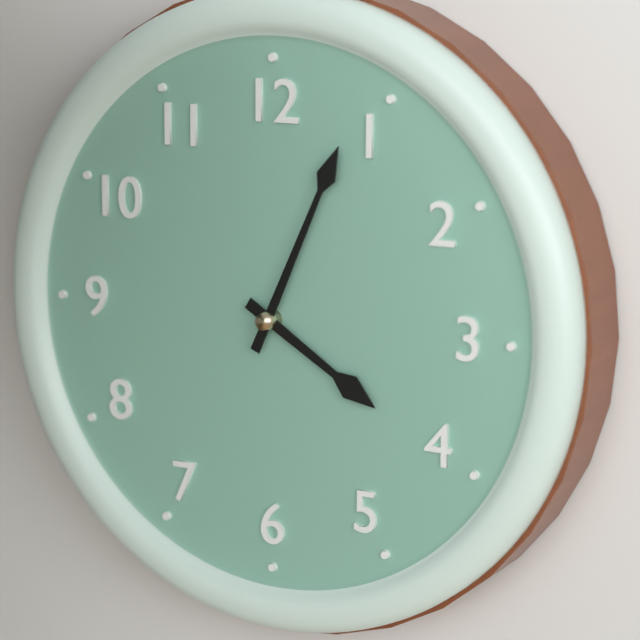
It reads **4:04**
